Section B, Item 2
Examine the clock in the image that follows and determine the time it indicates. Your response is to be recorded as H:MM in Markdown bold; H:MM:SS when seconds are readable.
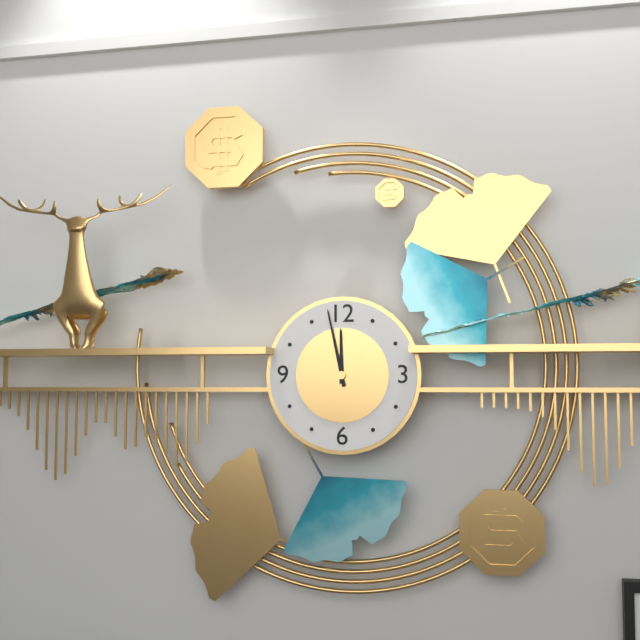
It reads **11:58**
